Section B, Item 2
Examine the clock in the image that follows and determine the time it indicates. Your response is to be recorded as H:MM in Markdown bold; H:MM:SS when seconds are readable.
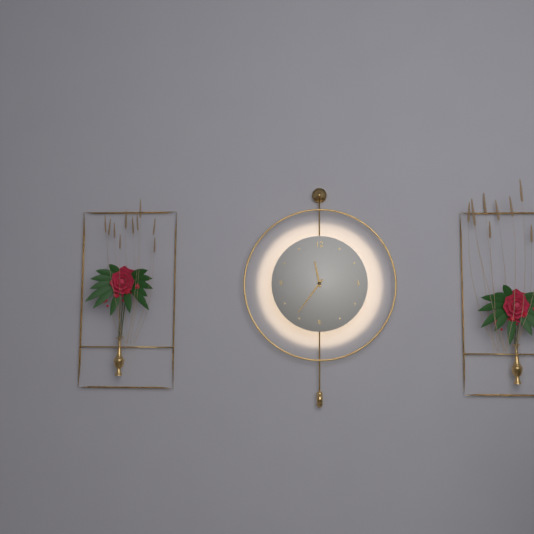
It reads **11:36**
